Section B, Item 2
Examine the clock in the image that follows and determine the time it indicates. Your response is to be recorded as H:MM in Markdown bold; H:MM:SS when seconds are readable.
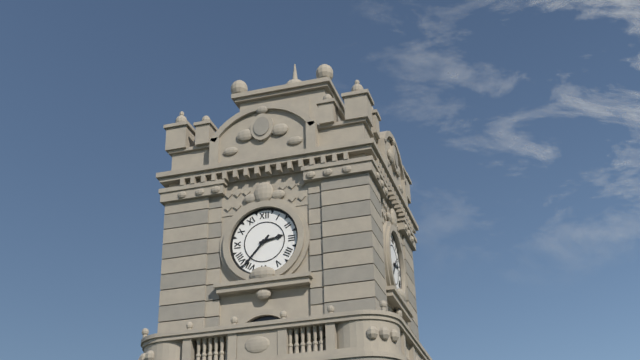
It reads **2:37**
